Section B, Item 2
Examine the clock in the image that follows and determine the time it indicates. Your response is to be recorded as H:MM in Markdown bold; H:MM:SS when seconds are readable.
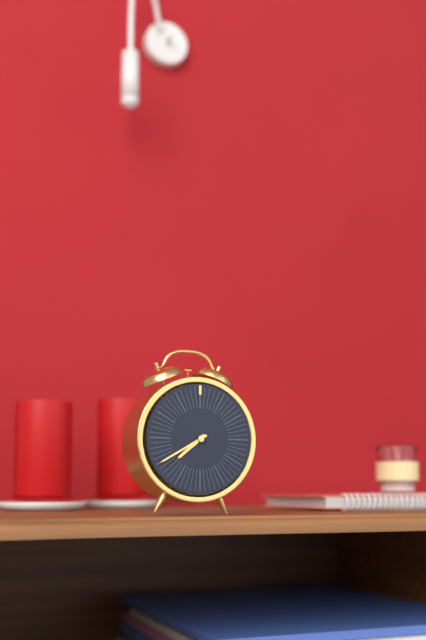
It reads **7:40**
